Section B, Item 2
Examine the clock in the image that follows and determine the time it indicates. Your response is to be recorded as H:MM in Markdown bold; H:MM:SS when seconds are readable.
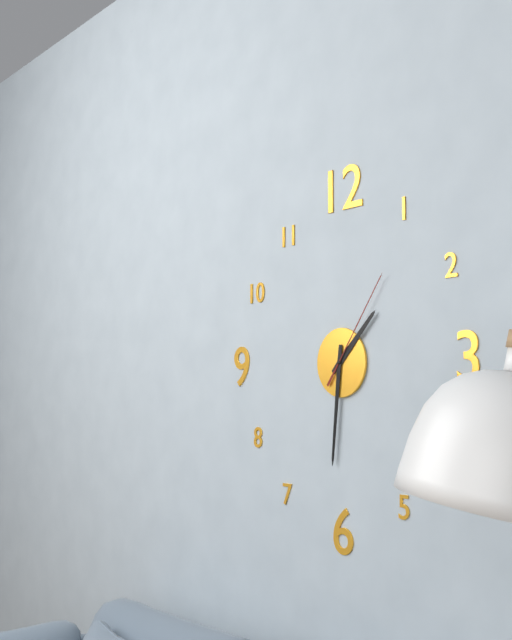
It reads **1:31:06**
